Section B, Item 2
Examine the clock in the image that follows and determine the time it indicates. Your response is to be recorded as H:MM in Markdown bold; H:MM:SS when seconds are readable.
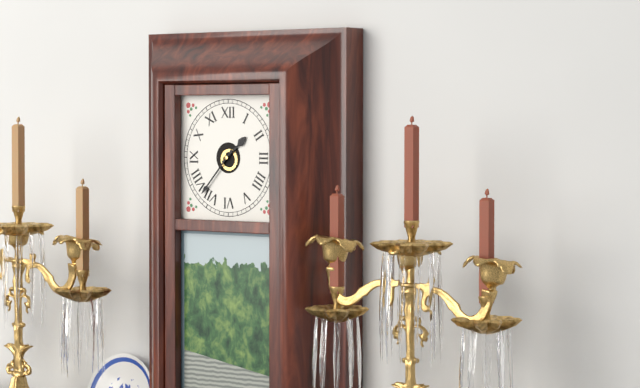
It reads **1:37**
